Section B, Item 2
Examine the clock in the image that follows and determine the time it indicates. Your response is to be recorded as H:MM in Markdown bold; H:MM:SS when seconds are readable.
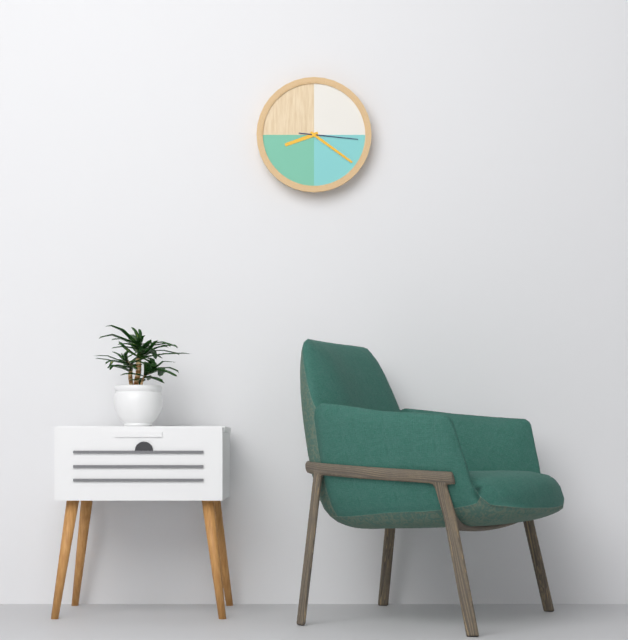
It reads **8:21:16**
